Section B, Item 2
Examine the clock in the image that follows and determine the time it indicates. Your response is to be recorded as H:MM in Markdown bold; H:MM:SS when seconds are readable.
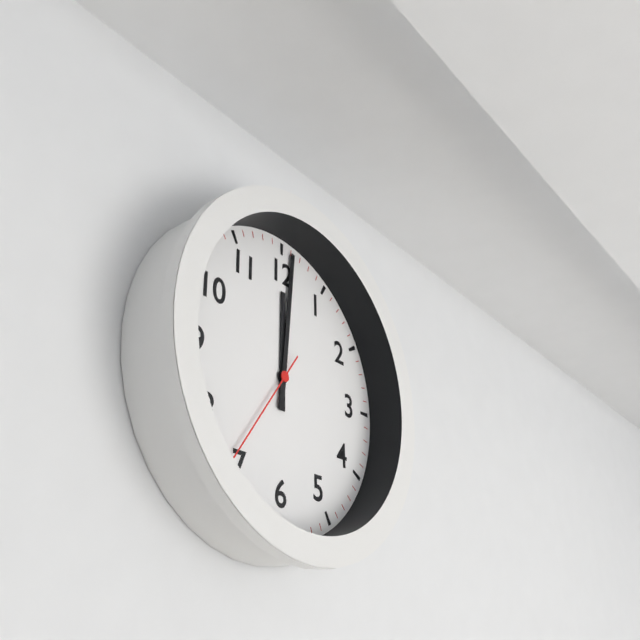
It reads **12:01:36**
